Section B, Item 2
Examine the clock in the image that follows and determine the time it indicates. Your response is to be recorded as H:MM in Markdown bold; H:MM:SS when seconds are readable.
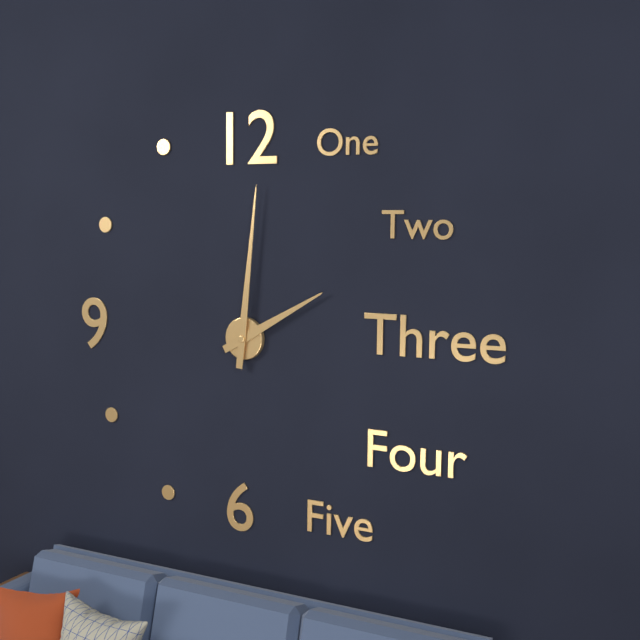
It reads **2:01**
